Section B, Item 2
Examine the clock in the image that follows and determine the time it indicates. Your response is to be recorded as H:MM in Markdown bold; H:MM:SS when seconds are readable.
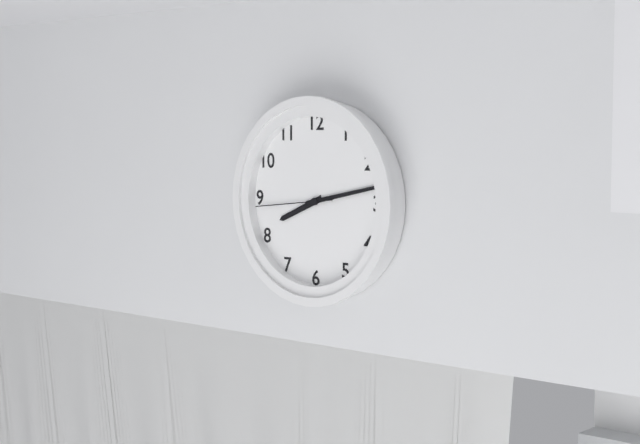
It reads **8:13:44**
